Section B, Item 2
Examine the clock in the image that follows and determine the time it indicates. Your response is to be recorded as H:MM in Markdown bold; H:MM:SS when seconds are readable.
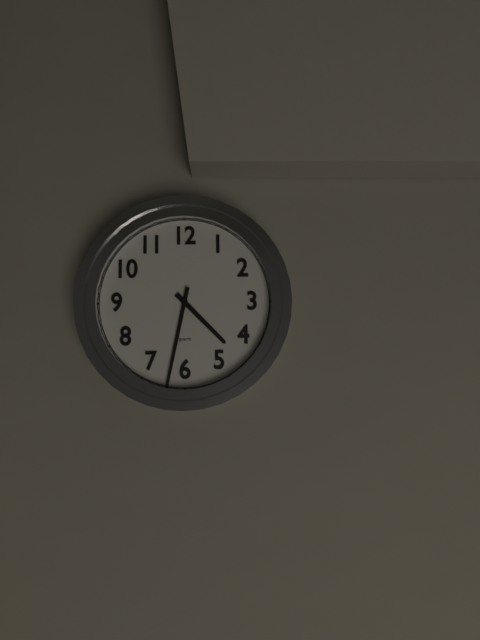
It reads **4:32**
